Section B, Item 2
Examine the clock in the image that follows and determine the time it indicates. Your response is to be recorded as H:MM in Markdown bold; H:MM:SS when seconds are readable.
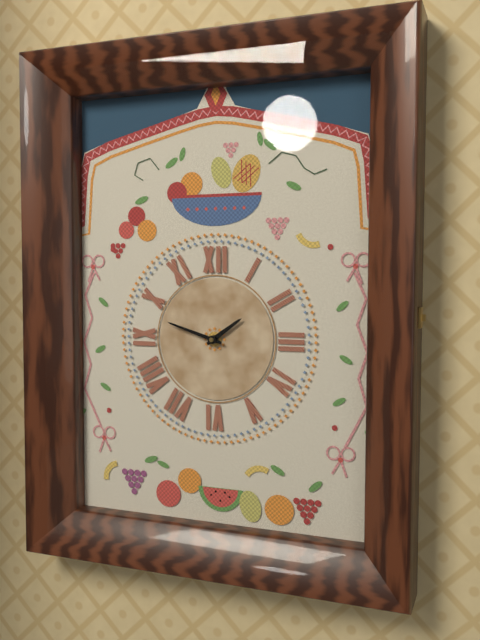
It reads **1:48**
